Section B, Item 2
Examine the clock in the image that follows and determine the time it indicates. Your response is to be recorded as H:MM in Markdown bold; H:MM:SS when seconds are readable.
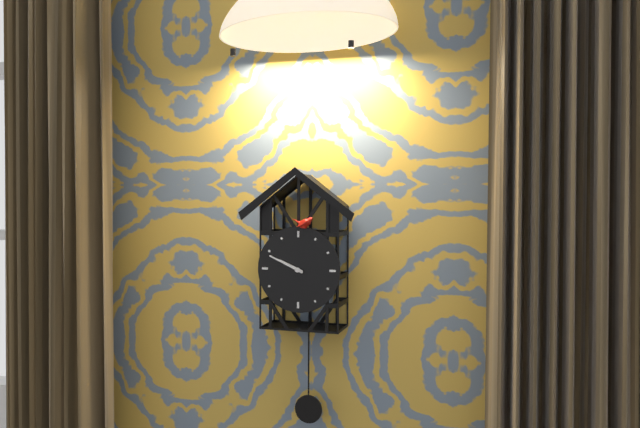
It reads **9:49**
